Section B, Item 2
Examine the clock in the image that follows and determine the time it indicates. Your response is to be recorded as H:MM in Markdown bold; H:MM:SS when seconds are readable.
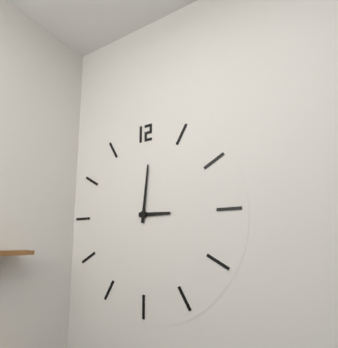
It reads **3:01**
